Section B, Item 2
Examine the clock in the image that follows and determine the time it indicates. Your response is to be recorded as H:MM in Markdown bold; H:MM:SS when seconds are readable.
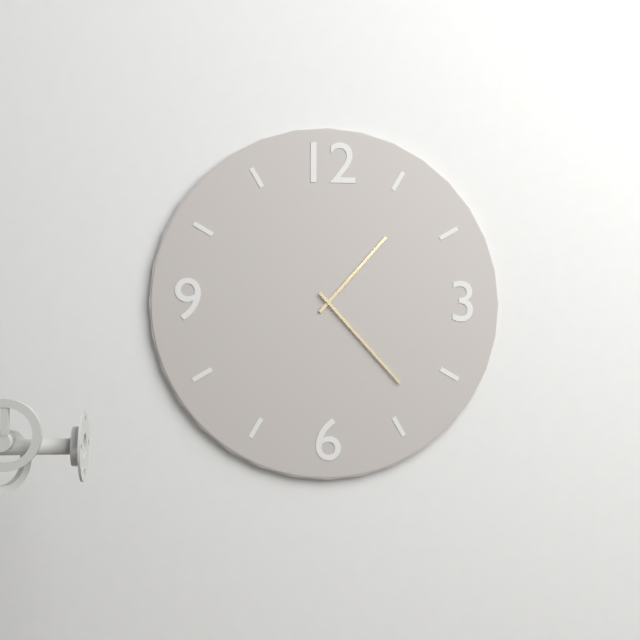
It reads **1:23**
